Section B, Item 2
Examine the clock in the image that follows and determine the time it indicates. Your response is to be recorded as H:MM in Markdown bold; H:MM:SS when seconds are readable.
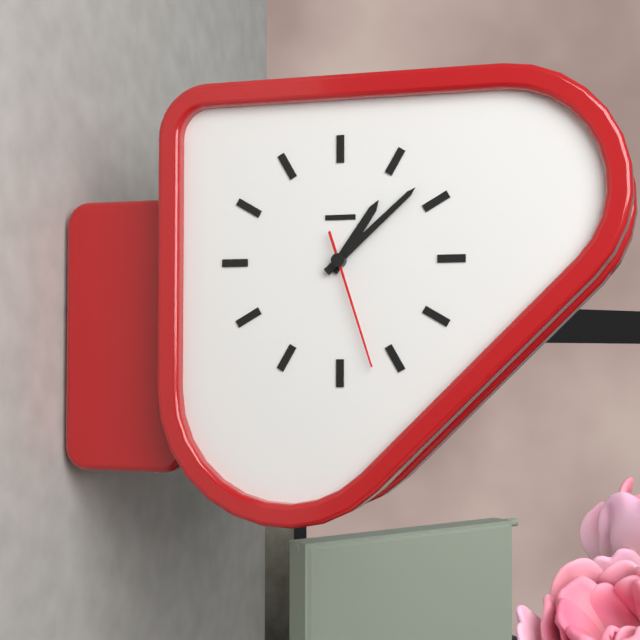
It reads **1:08:27**
